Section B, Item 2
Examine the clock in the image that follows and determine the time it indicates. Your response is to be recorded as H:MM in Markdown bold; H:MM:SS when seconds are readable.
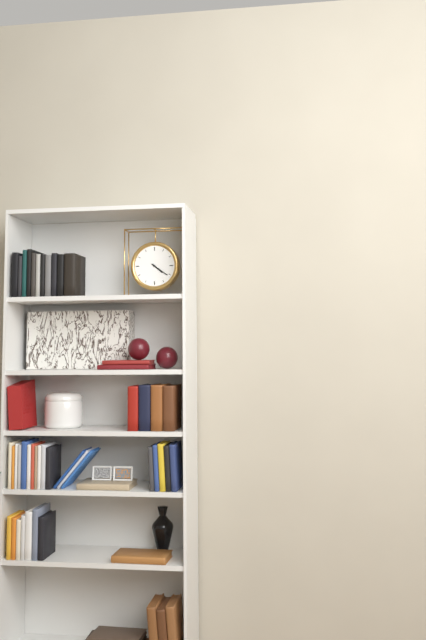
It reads **4:21**
